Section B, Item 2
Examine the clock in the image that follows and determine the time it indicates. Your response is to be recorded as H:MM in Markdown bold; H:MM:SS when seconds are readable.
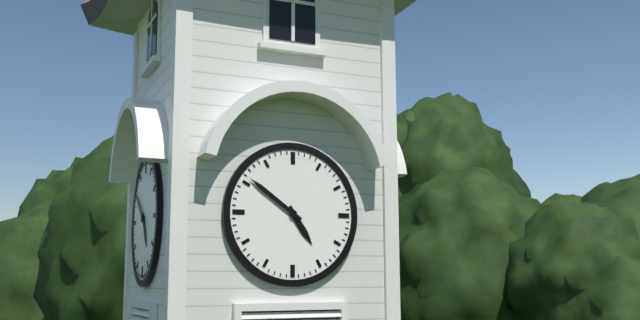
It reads **4:51**
